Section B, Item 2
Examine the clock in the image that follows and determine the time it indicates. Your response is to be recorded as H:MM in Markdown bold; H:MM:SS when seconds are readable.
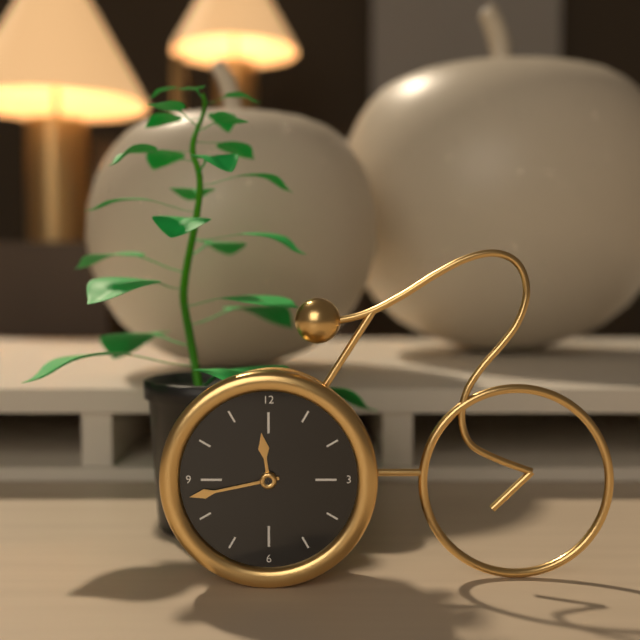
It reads **11:43**
